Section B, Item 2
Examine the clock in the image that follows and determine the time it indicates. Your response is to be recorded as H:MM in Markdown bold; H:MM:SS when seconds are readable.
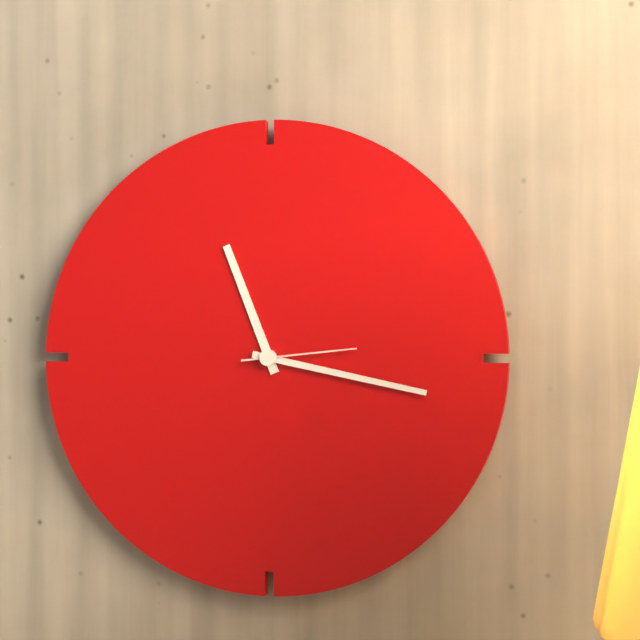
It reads **11:17:14**
